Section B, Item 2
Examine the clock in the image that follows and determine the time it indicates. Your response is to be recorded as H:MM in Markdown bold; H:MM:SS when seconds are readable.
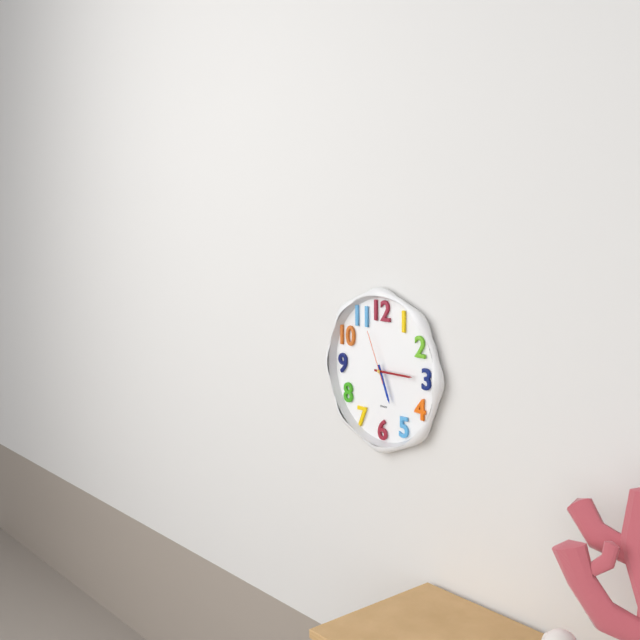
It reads **5:15:56**
